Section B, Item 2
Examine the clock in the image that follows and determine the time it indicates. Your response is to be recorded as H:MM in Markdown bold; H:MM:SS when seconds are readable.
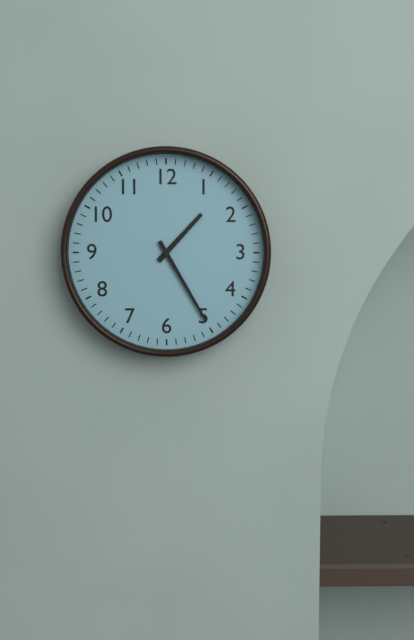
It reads **1:25**
